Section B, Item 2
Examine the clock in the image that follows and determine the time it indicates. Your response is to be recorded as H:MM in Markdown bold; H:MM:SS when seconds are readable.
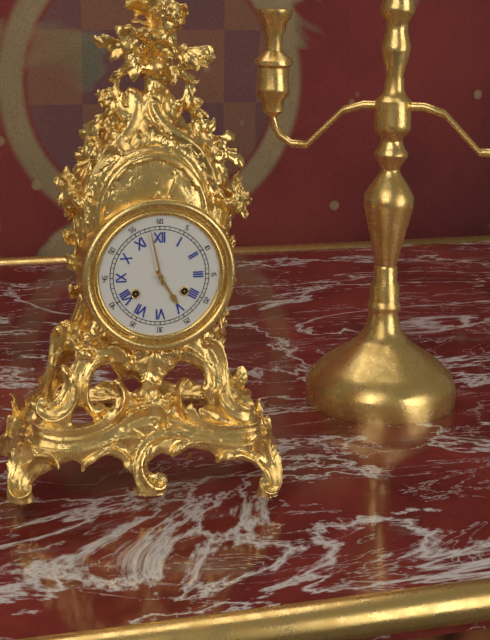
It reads **4:58**
